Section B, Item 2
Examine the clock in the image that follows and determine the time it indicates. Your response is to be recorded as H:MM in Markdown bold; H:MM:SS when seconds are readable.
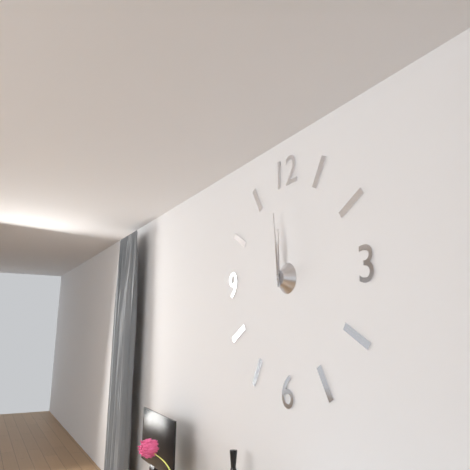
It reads **11:59**
